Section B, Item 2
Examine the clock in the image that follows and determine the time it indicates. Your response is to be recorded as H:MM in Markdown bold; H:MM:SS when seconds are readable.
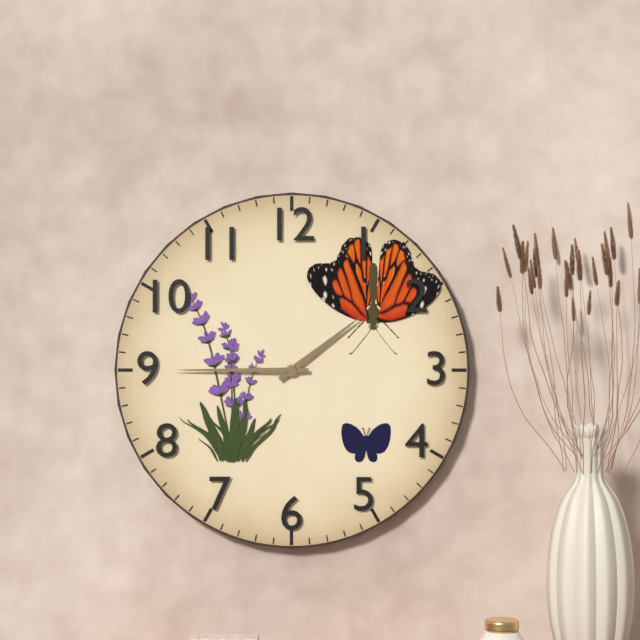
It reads **1:45**
